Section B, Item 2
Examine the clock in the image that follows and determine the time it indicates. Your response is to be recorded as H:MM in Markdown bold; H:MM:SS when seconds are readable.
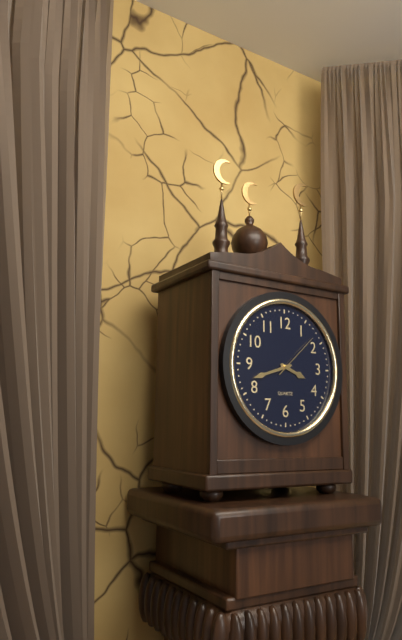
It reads **3:42**
